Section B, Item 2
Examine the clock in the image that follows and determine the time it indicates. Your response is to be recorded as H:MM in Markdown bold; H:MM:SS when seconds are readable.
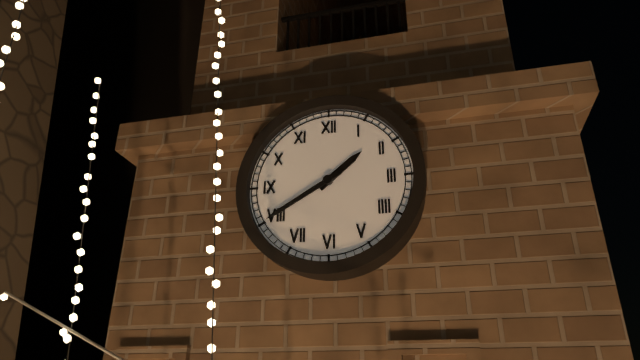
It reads **1:40**
